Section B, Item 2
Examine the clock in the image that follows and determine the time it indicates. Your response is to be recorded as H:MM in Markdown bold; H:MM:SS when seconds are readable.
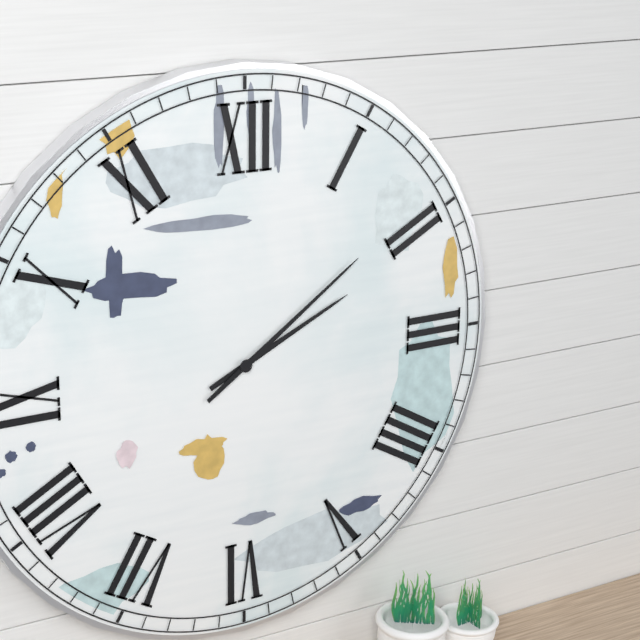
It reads **2:09**
